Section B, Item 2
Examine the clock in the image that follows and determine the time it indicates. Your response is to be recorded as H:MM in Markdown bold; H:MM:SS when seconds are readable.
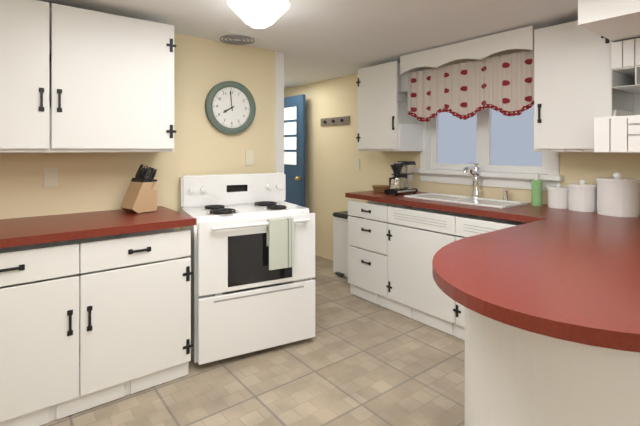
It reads **7:59**
